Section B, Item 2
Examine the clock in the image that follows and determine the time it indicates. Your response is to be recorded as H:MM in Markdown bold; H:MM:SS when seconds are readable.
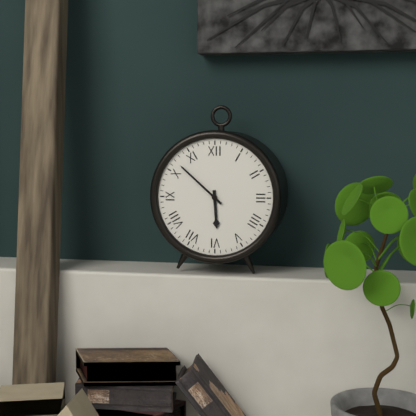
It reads **5:52**
